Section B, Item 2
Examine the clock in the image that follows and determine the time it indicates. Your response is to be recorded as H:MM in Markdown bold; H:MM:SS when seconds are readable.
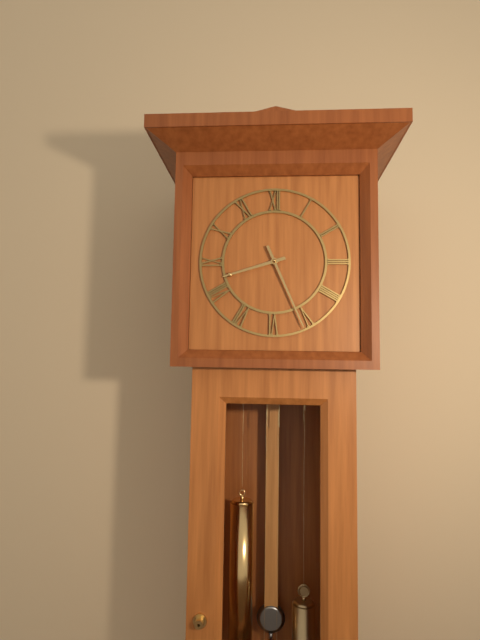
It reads **8:26**
